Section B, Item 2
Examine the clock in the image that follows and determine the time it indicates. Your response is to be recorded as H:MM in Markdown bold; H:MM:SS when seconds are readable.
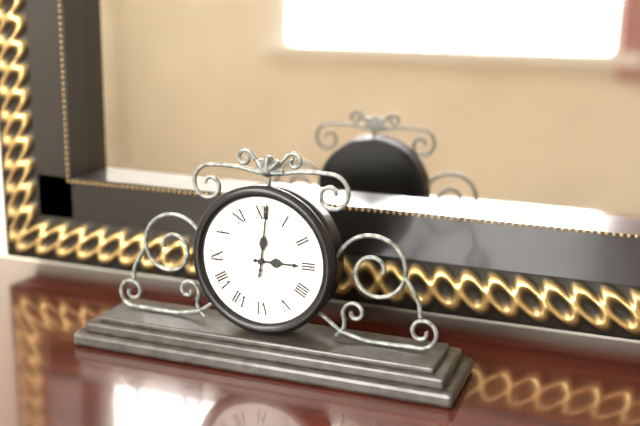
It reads **3:01:01**
